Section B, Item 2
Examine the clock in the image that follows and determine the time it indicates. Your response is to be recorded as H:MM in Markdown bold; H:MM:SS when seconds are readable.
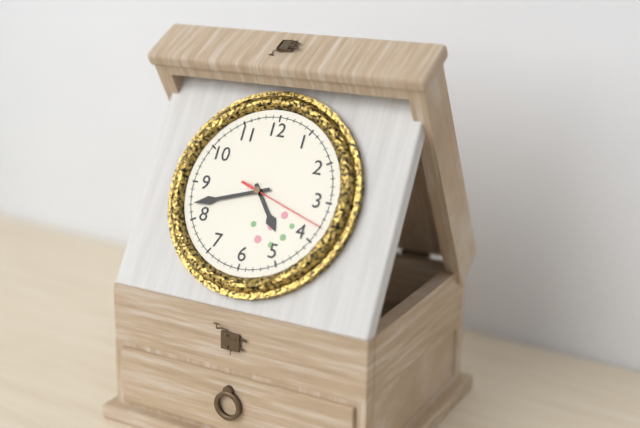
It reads **4:42:18**
